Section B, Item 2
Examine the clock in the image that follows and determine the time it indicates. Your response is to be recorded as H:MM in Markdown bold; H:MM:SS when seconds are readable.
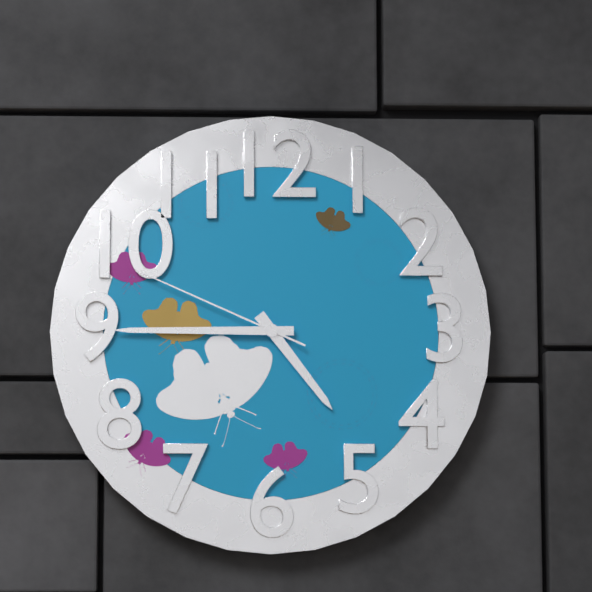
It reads **4:45:49**
